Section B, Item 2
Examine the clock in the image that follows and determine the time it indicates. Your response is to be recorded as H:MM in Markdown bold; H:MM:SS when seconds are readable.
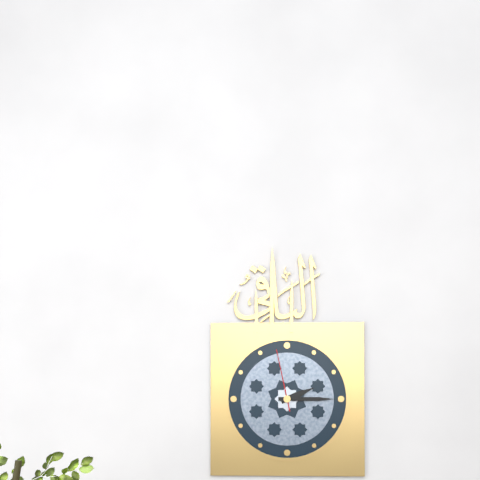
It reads **2:15:58**
